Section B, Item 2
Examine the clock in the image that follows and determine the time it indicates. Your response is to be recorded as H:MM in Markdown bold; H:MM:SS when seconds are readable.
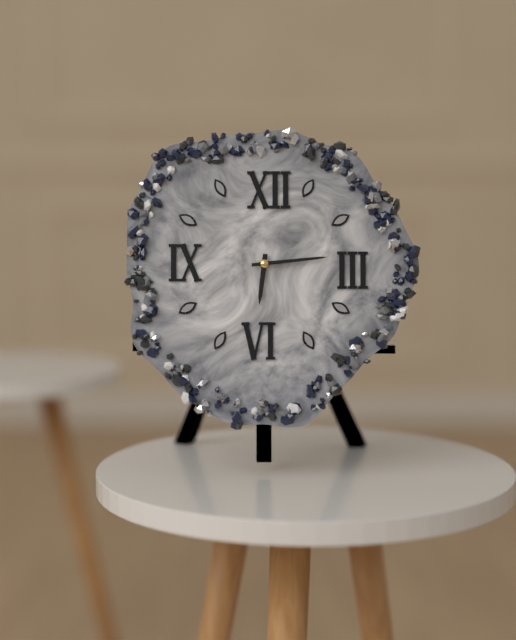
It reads **6:14**
